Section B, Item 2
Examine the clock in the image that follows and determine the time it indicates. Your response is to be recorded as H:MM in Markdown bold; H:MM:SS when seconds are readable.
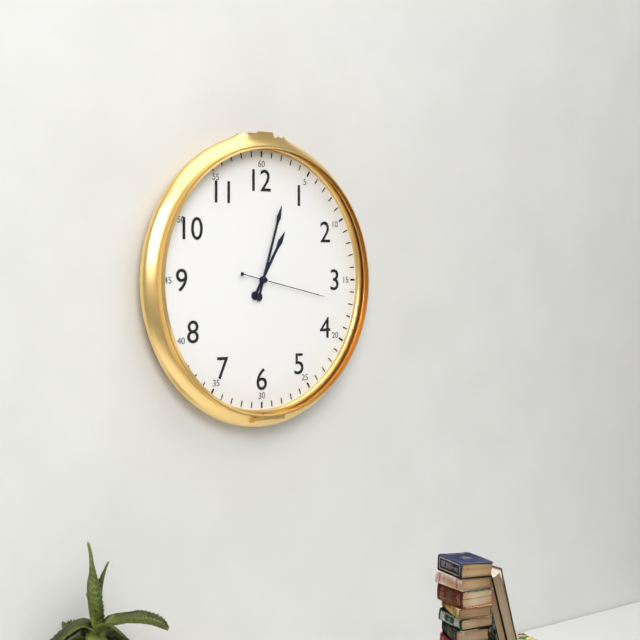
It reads **1:03:17**
